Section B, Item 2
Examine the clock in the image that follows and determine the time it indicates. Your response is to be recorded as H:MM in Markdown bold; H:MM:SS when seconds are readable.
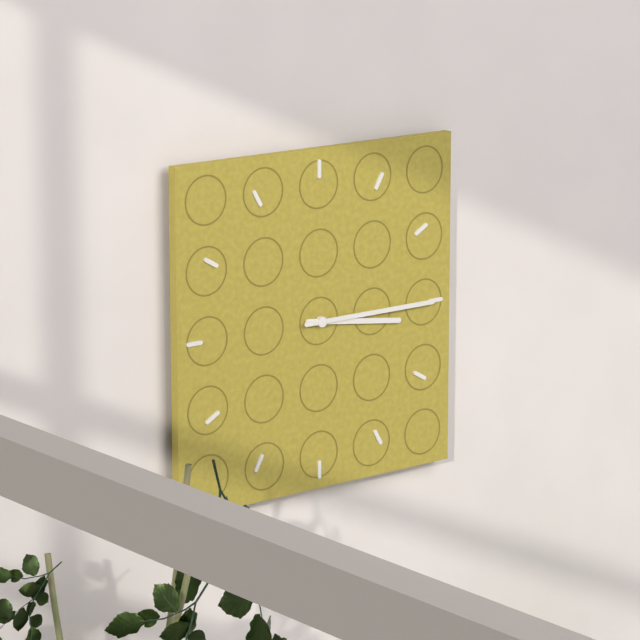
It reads **3:15**
